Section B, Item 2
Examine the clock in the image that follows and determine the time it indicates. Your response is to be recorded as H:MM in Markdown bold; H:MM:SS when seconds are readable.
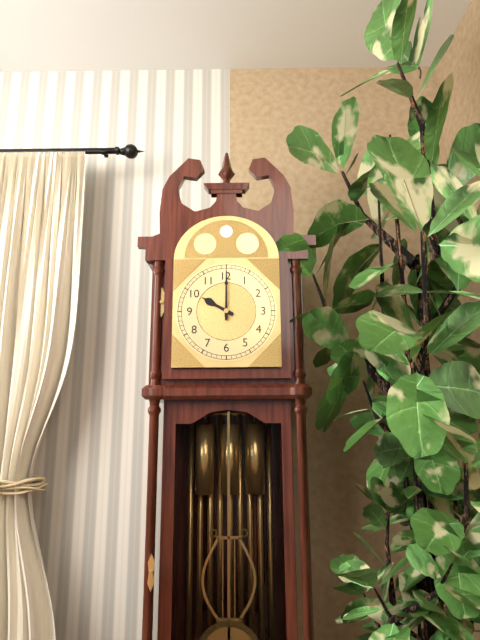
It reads **10:00**
